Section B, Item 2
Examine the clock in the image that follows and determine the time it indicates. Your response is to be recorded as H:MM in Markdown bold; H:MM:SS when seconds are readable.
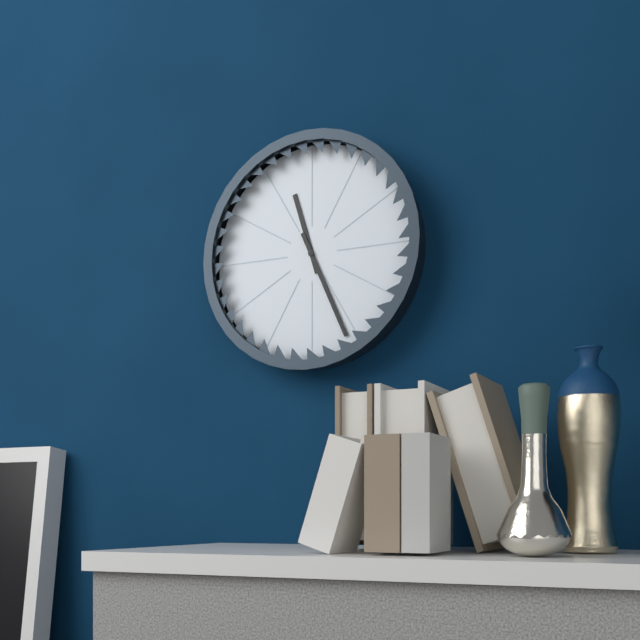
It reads **11:26**
